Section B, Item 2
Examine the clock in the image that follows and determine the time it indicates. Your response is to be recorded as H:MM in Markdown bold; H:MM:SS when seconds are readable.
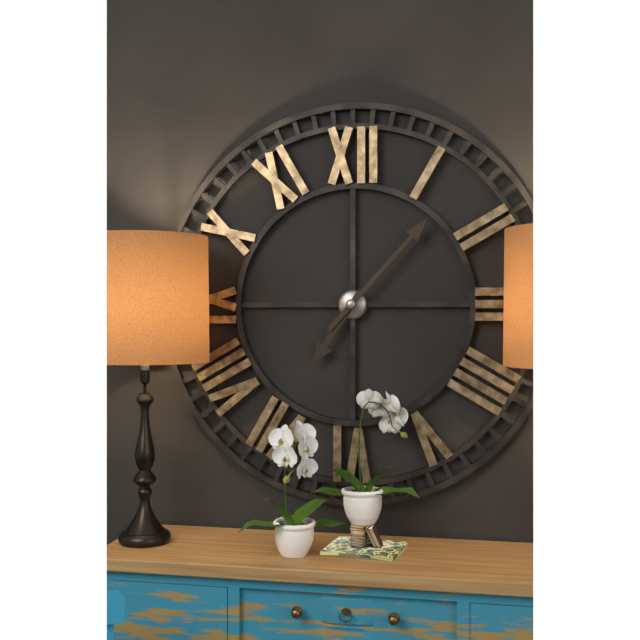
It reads **7:07**
